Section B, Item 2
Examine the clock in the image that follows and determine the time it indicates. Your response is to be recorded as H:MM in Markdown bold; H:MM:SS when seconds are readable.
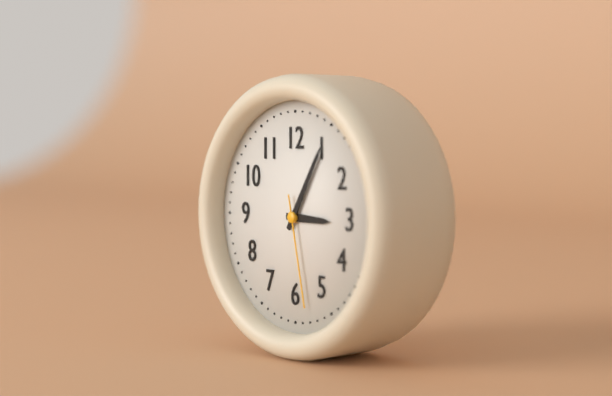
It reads **3:05:28**
